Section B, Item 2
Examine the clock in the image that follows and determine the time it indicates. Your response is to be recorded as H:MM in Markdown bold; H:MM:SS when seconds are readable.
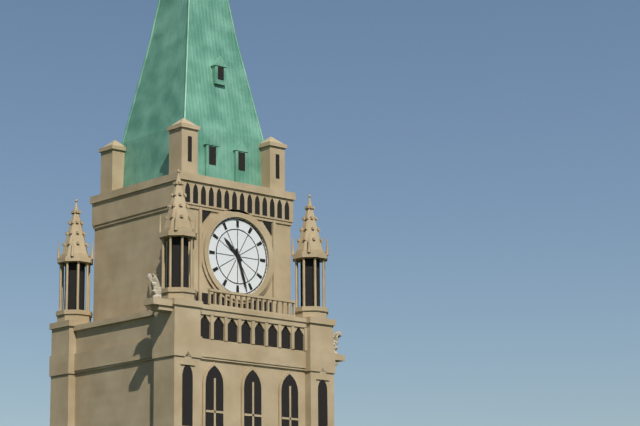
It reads **10:27**
